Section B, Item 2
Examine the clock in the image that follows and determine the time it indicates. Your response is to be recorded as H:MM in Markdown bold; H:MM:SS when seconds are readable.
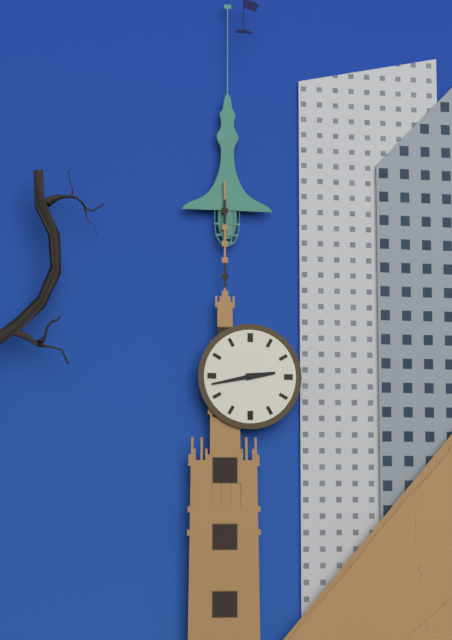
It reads **2:43**
